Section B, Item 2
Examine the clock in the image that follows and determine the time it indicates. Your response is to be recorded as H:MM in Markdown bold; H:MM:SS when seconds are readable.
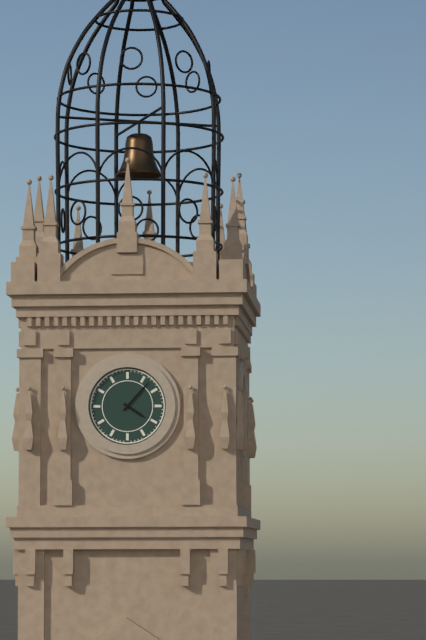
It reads **4:07**
